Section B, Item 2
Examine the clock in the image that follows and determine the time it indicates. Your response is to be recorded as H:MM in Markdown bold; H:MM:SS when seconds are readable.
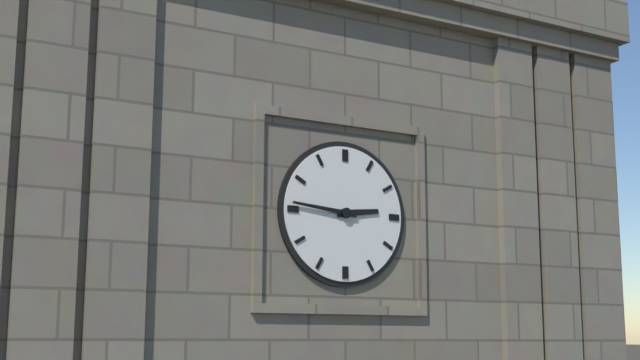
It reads **2:46**
